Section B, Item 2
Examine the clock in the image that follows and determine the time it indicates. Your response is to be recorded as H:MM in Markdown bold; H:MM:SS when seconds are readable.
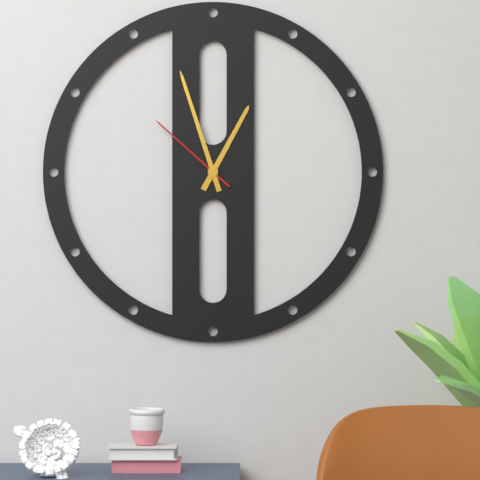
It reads **12:57:52**
